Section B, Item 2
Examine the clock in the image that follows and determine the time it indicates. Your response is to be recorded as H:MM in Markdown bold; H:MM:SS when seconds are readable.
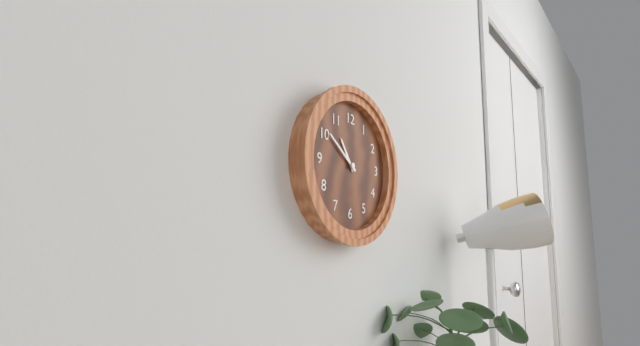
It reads **10:51**
